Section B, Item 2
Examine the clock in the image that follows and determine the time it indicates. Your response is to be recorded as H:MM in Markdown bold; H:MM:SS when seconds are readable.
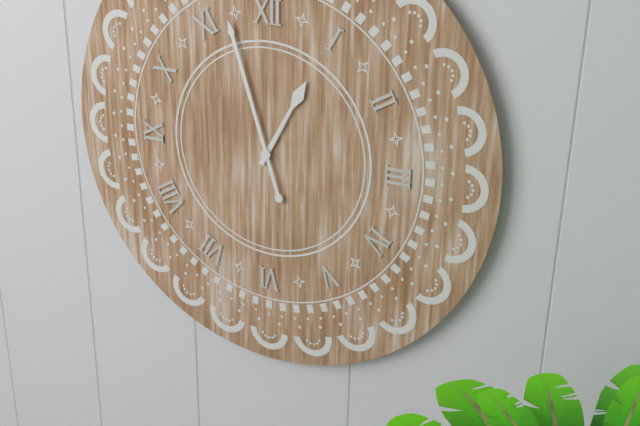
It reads **12:57**
